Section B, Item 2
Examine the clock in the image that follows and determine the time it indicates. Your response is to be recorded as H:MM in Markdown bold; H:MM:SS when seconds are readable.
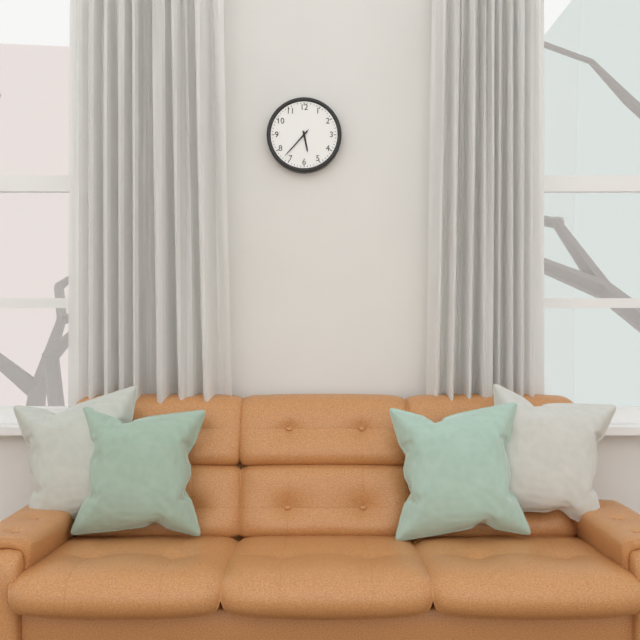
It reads **5:37**
